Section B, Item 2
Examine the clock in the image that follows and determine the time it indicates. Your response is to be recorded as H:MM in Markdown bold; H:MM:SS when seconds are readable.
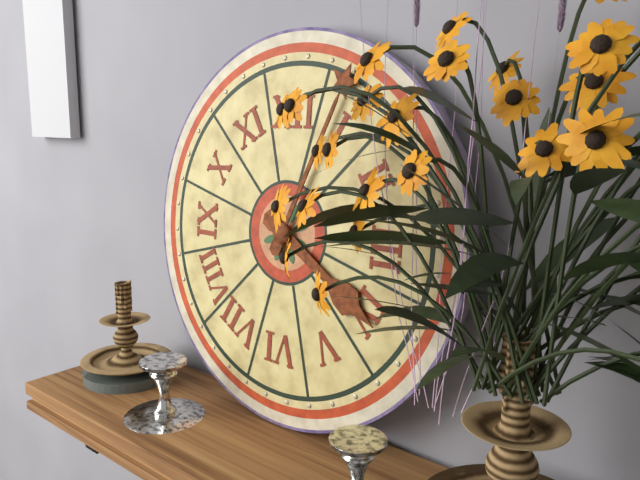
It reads **4:04**
